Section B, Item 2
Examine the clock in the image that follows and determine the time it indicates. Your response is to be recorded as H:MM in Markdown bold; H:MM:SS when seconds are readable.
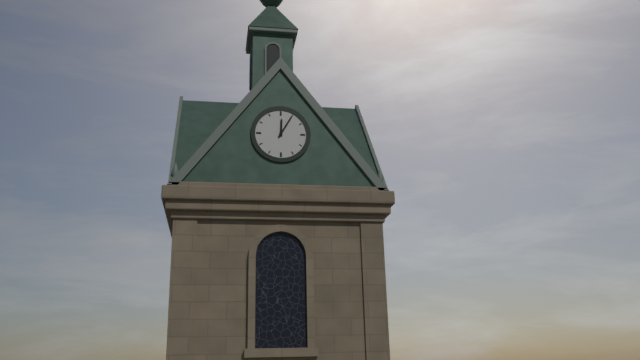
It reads **12:05**
